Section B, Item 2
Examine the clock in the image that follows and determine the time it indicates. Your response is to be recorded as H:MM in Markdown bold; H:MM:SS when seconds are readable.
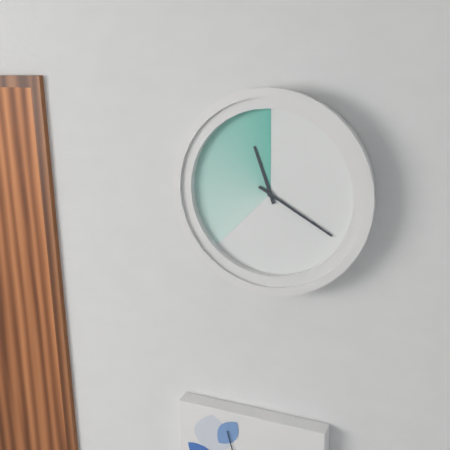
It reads **11:20**
